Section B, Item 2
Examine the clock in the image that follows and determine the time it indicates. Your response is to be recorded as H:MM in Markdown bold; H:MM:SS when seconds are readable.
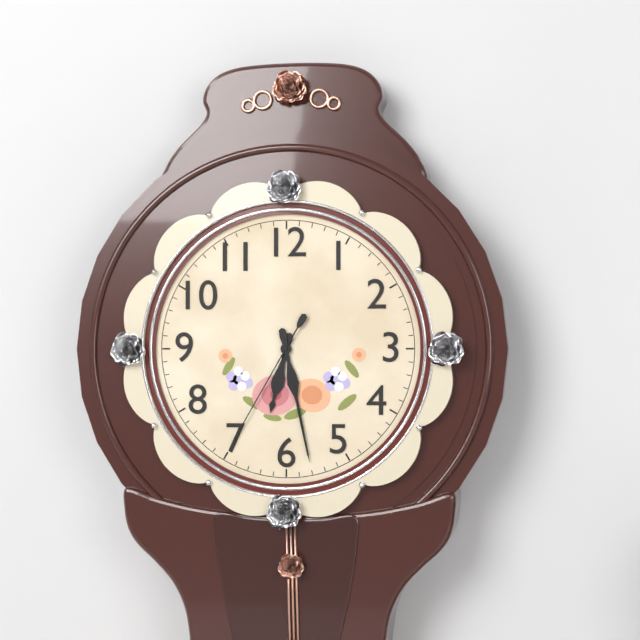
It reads **6:28:35**
